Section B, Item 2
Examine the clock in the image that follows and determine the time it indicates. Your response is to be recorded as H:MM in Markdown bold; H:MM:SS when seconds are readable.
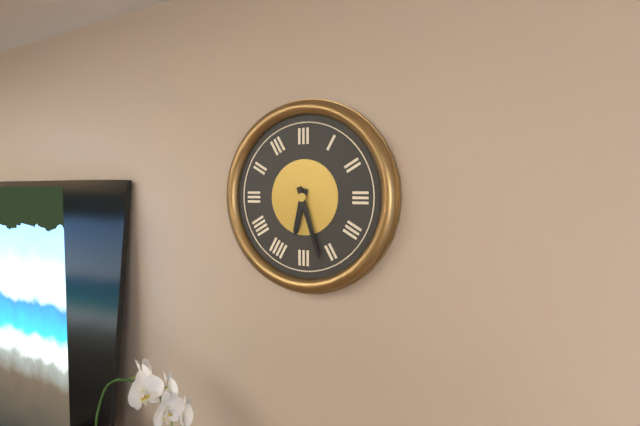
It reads **6:27**
